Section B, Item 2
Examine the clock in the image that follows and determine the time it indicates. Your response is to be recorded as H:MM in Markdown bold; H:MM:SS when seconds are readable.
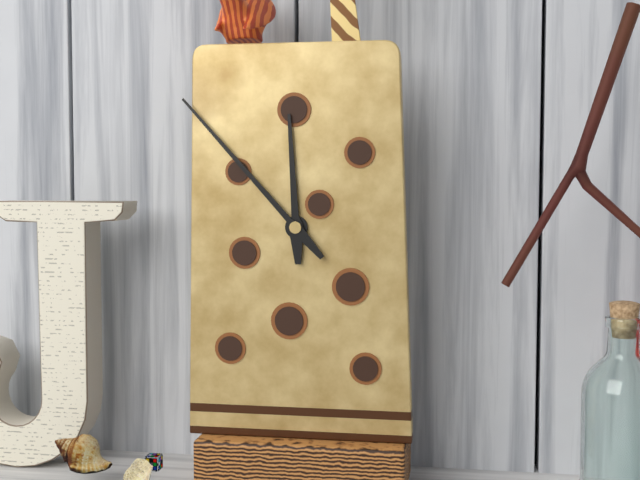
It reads **11:53**
